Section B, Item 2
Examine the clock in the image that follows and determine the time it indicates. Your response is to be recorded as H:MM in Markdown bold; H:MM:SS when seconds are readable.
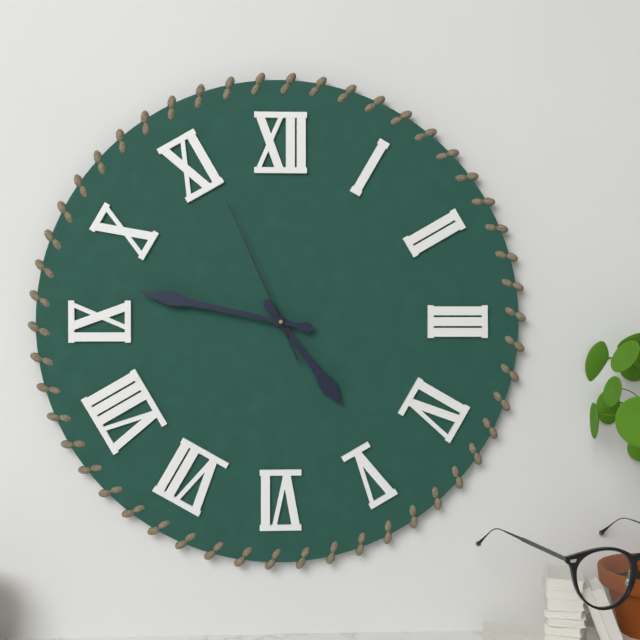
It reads **4:47:56**
